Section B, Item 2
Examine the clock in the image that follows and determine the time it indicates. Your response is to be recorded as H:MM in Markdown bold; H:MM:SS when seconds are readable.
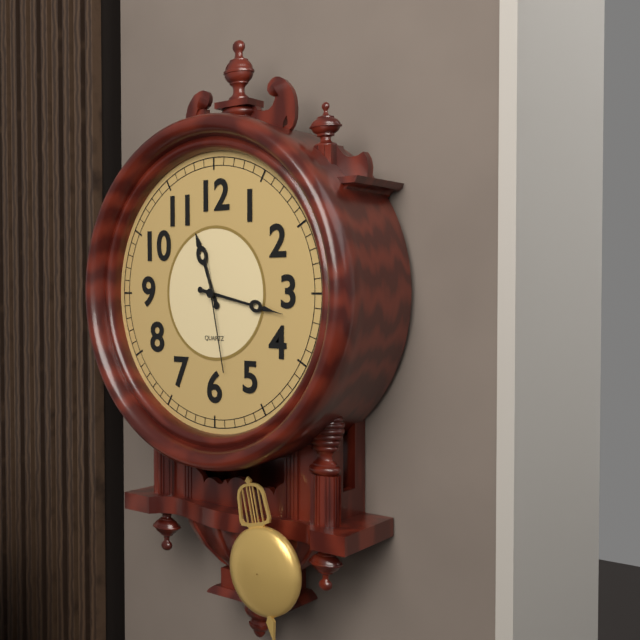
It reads **11:17:28**
